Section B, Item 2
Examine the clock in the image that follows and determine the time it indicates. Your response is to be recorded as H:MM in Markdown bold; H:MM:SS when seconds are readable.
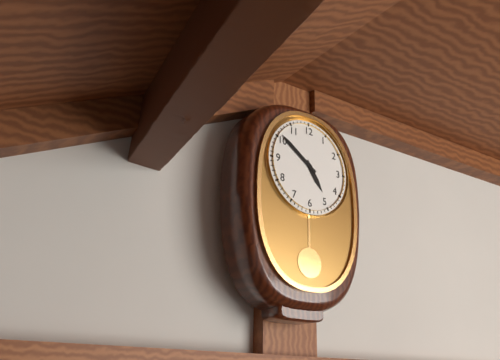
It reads **4:51**
